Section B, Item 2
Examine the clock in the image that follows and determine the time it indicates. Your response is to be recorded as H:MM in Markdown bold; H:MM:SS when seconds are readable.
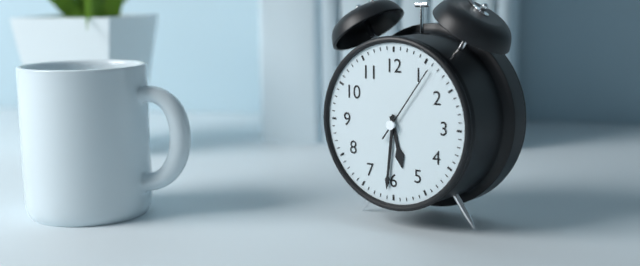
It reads **5:31:06**
